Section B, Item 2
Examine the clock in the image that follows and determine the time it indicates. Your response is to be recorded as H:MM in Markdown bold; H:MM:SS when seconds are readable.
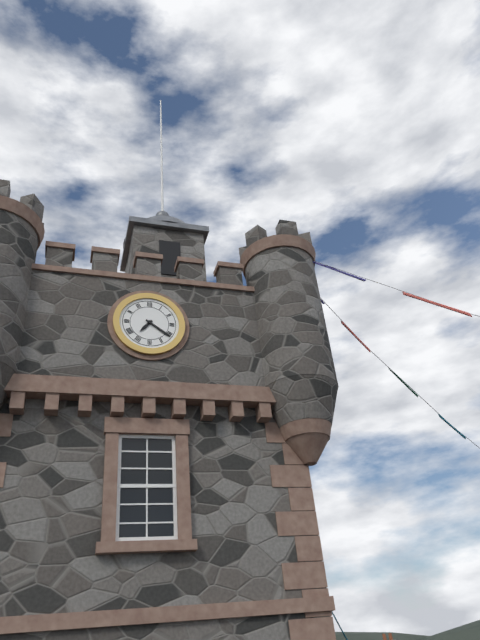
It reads **7:21**
